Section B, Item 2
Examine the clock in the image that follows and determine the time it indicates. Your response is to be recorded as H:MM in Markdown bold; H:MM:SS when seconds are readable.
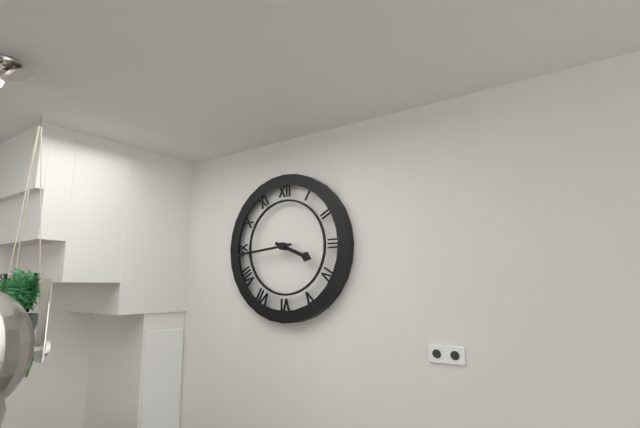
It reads **3:44**
